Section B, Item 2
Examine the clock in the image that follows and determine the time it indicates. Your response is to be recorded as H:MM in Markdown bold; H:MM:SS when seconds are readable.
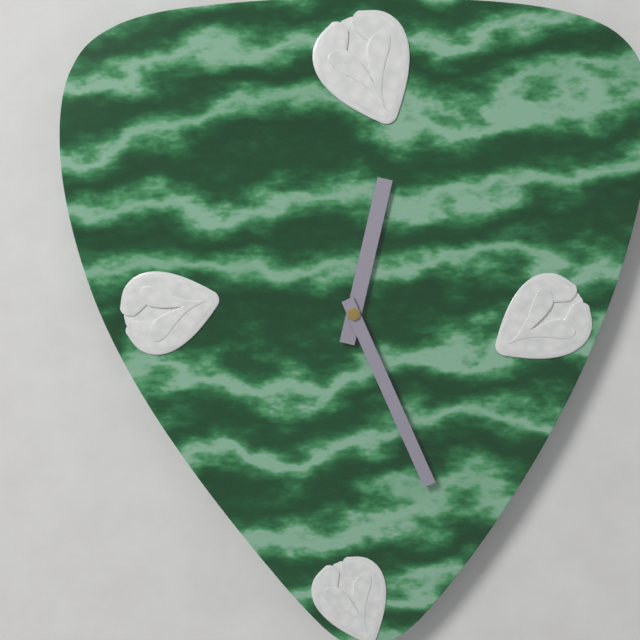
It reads **12:26**
